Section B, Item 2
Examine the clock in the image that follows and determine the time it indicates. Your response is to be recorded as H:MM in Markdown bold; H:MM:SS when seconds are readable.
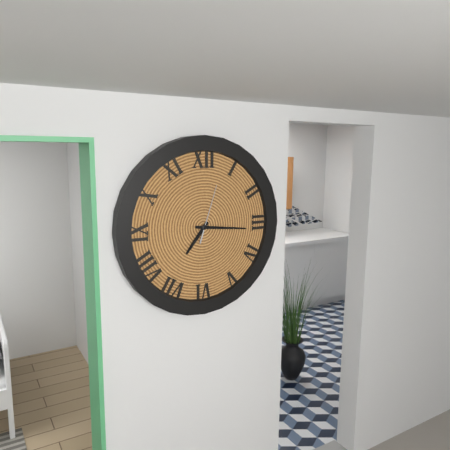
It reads **7:16:03**
